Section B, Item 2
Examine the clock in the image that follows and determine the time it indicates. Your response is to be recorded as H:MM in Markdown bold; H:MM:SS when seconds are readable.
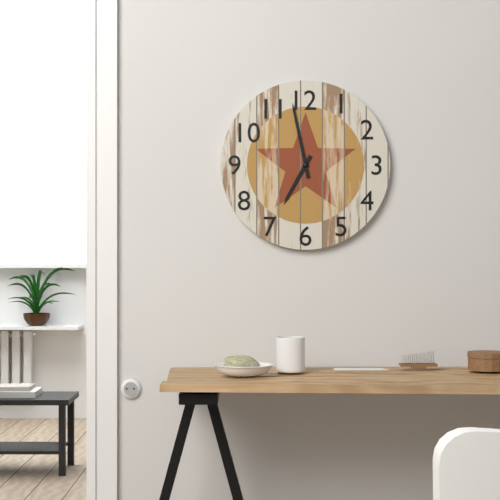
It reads **6:58**
